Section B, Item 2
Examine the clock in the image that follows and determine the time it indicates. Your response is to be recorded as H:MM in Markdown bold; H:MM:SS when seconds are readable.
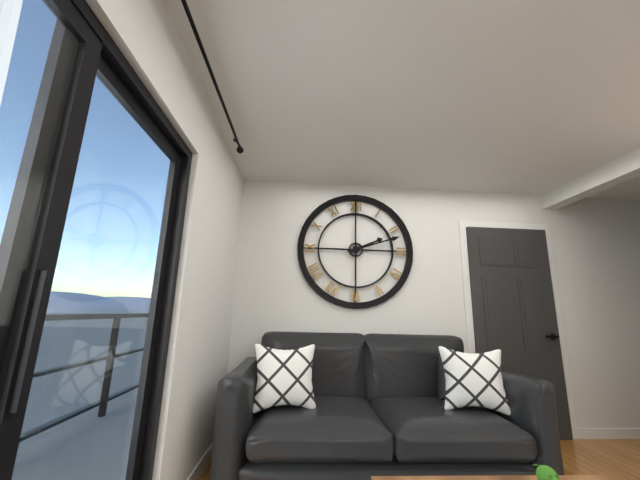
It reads **2:12**
